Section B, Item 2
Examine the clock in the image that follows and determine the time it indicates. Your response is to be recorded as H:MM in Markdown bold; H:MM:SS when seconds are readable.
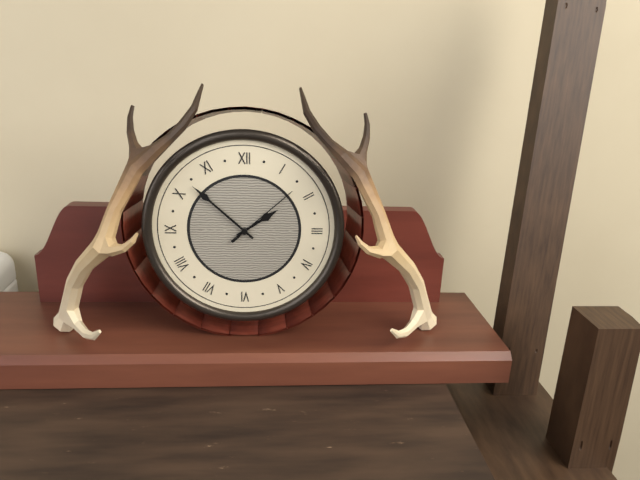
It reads **1:52:08**
